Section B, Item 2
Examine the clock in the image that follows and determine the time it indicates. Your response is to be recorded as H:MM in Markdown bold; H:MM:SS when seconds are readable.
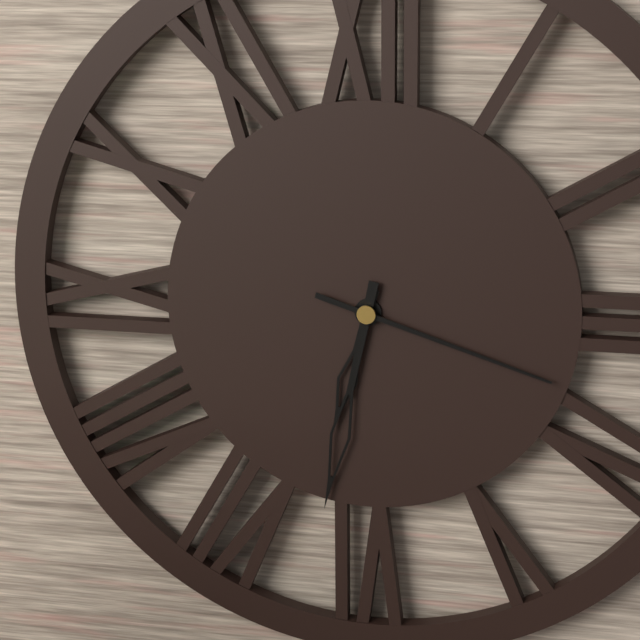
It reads **6:32:18**
